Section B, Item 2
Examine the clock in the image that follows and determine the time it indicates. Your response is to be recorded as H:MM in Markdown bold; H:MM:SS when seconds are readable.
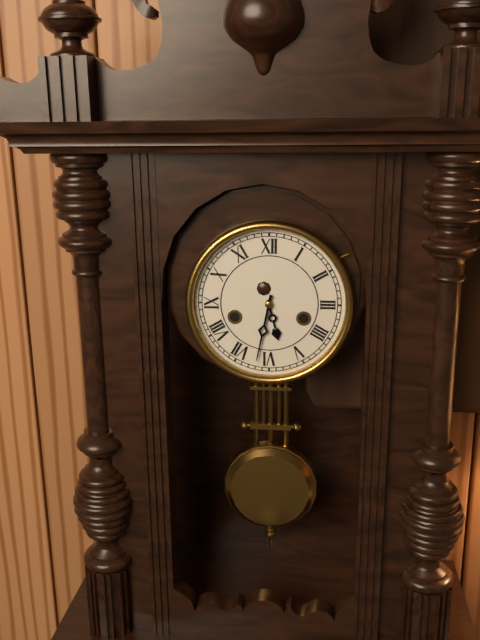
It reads **5:32**
